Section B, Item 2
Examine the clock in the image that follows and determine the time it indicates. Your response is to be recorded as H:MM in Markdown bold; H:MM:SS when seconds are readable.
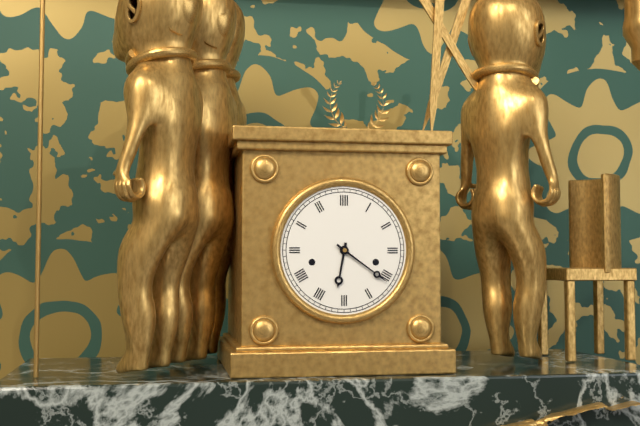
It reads **6:21**
